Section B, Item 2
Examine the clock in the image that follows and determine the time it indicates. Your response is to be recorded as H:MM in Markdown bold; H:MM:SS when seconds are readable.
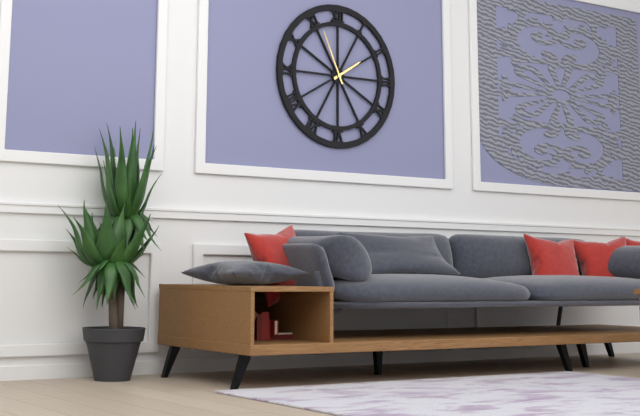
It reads **1:56**
